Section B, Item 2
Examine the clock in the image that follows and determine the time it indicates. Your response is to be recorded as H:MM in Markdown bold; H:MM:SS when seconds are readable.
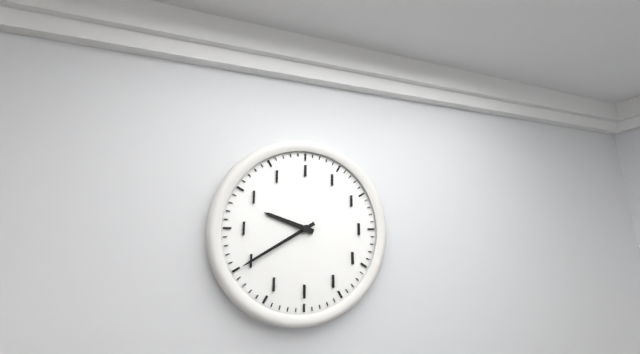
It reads **9:40**
